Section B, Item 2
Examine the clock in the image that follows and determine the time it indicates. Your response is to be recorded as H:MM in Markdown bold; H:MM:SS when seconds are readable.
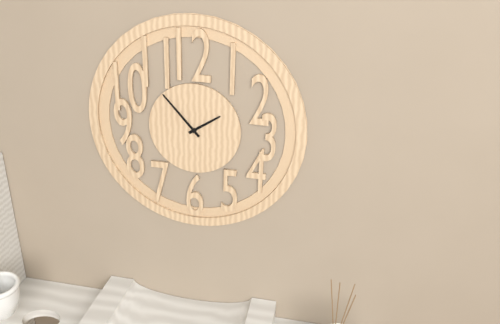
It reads **1:53**
